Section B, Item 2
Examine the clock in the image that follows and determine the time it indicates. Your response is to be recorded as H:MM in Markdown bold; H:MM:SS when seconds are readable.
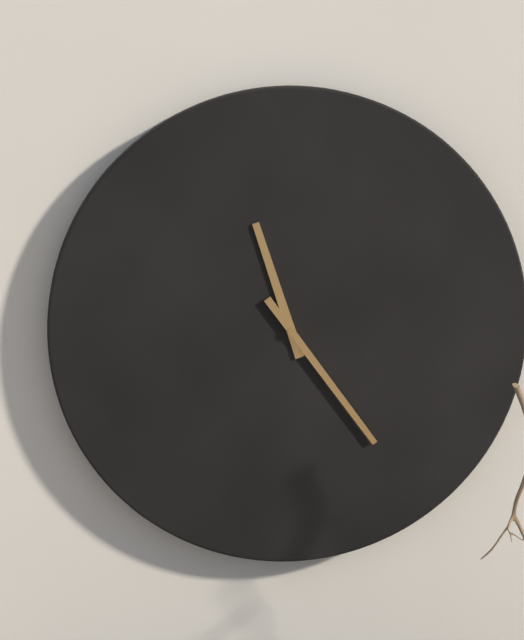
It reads **11:24**
